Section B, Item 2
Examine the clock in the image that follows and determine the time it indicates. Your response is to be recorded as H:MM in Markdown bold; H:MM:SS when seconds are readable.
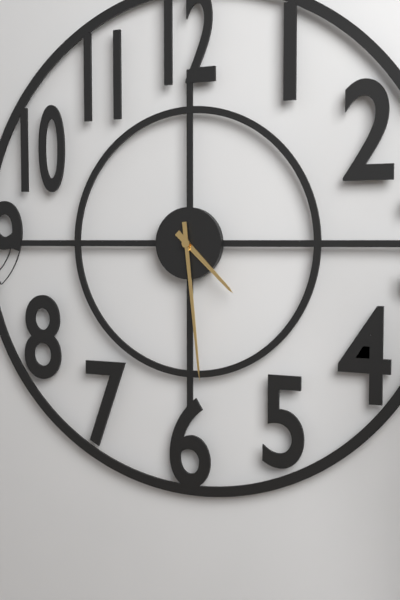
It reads **4:29**
